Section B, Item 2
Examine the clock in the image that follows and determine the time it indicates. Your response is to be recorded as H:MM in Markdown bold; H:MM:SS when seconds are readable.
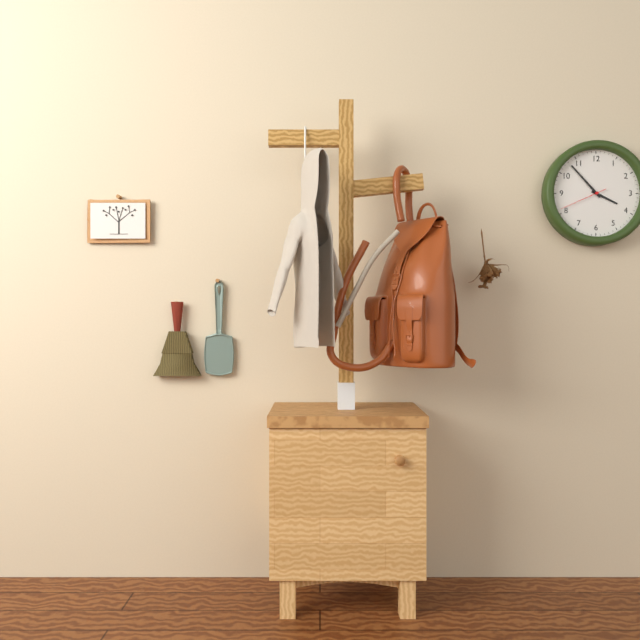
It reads **3:53**
